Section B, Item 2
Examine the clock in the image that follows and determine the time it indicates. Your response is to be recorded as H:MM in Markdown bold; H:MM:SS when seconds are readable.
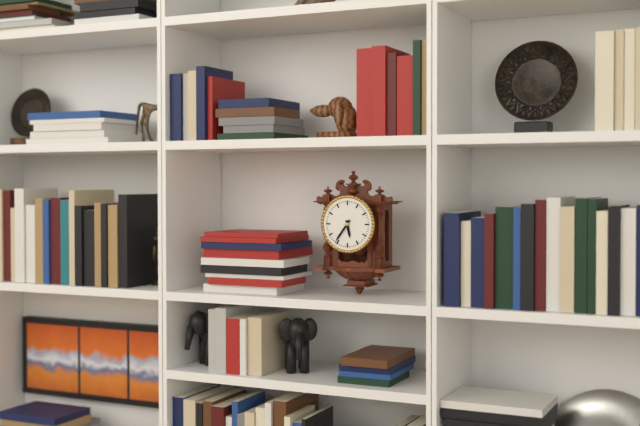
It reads **5:36**
